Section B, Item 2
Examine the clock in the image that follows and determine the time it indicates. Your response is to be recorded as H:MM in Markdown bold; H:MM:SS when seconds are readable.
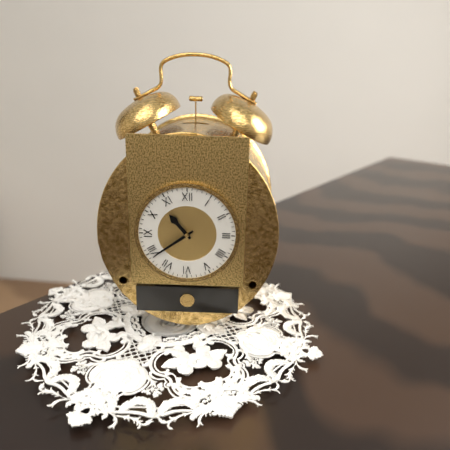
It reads **10:39**
